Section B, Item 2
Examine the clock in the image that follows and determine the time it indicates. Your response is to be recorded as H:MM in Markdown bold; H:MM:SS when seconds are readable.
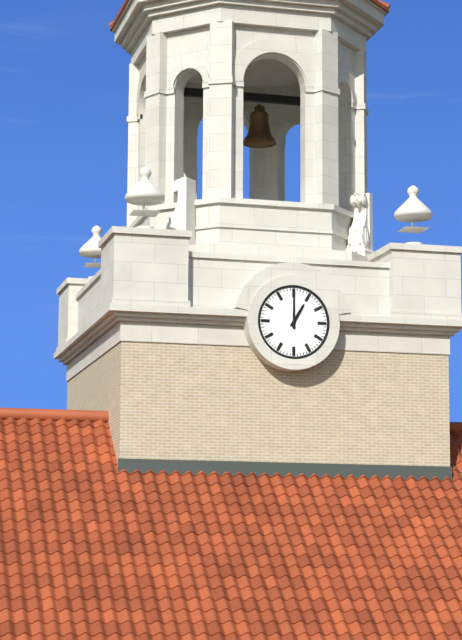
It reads **1:00**
